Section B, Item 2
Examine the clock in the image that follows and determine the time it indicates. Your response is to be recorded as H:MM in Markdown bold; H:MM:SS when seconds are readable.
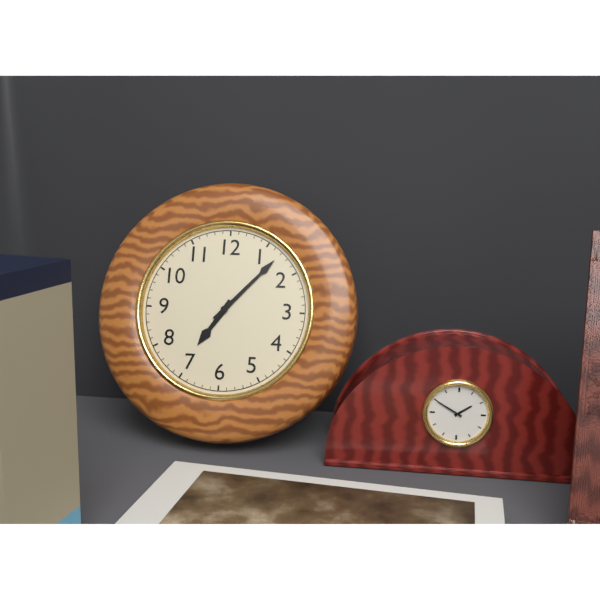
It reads **7:07**
